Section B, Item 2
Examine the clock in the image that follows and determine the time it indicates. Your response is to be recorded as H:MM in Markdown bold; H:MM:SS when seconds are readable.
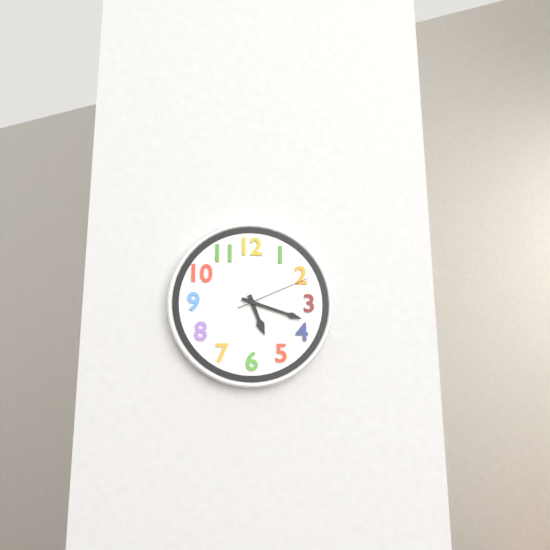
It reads **5:18:11**
